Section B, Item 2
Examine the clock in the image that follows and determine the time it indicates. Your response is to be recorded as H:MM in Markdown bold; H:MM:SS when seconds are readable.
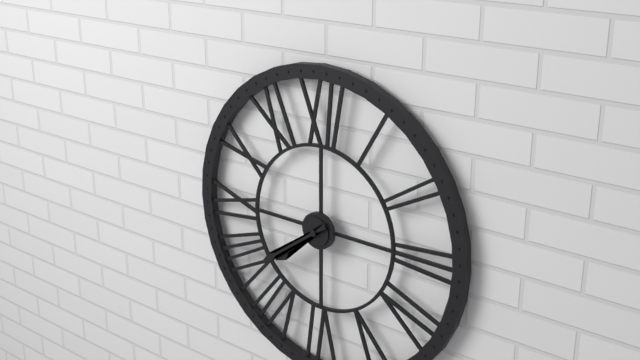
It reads **7:39**
